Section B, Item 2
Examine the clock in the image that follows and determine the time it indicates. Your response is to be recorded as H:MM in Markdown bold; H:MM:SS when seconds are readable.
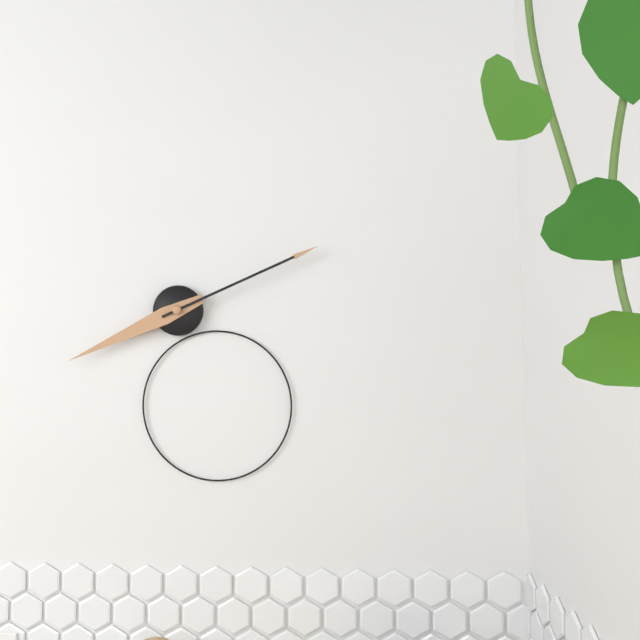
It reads **8:11**
